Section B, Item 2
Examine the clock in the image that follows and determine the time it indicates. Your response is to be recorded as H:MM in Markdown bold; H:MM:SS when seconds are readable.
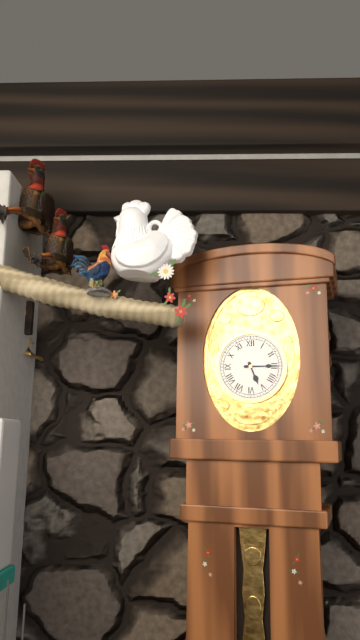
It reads **5:15**
